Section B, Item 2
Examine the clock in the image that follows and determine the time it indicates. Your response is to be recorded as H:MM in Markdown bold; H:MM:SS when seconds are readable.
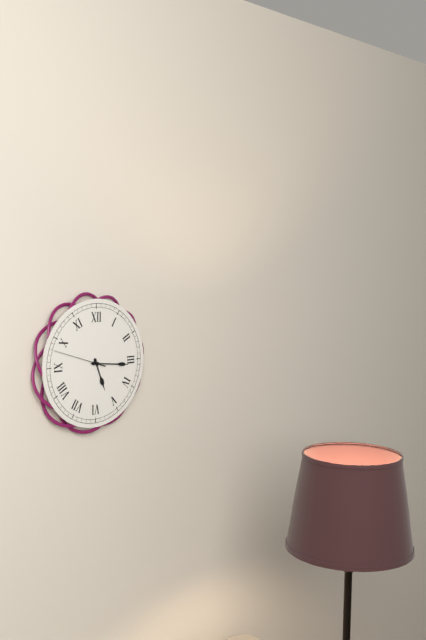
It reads **5:16:48**
